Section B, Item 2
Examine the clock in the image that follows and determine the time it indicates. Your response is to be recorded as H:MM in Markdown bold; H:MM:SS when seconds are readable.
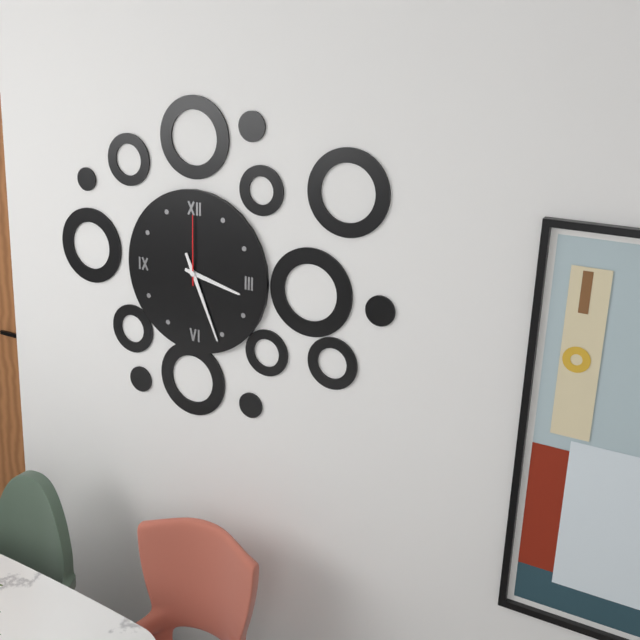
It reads **3:26:00**
